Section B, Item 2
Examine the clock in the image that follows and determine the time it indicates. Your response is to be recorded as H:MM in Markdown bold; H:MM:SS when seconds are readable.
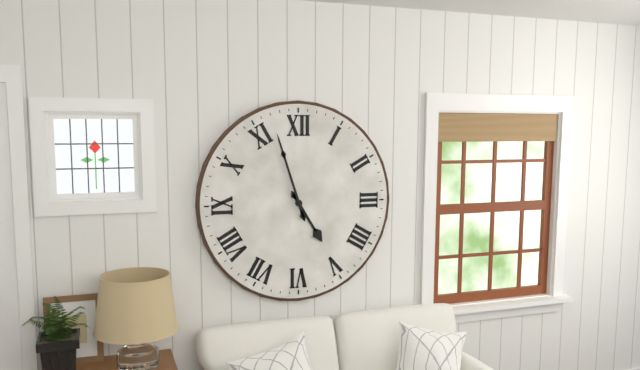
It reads **4:57**
